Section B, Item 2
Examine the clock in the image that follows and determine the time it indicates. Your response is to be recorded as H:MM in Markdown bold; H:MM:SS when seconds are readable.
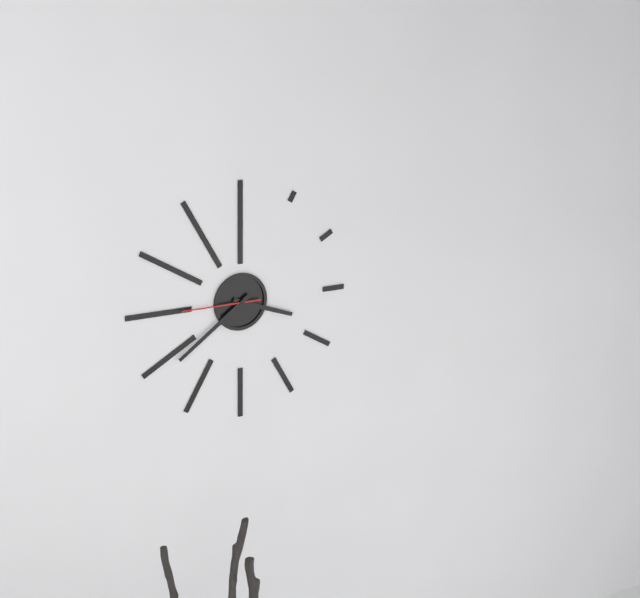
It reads **3:39:45**
